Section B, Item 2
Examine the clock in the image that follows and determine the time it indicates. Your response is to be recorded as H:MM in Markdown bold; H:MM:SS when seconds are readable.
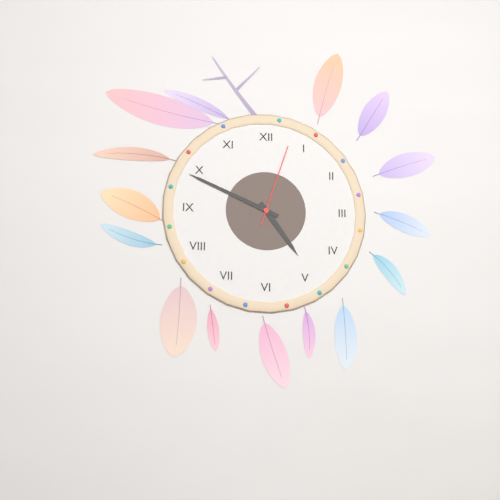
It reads **4:49:03**
